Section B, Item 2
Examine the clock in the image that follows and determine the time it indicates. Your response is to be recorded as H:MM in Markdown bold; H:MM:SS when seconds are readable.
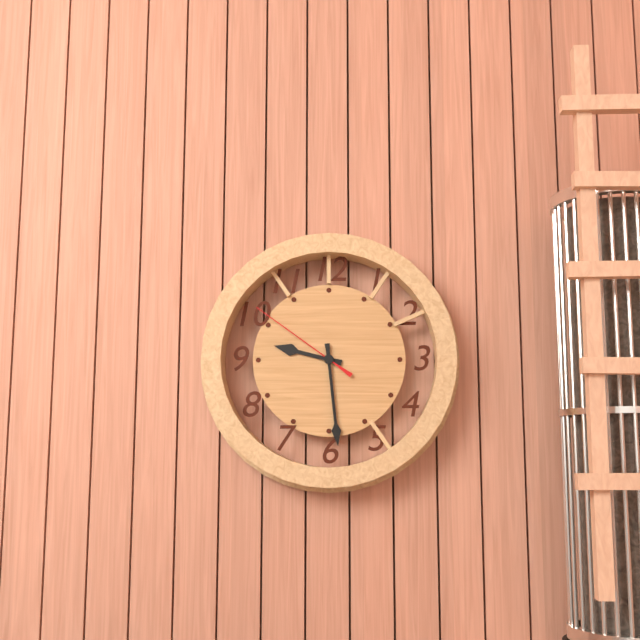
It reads **9:29:51**
